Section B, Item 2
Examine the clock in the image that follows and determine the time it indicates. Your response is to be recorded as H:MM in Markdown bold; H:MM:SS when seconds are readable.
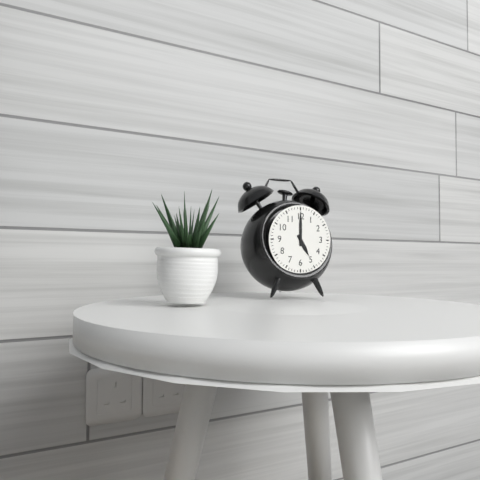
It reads **5:00**
